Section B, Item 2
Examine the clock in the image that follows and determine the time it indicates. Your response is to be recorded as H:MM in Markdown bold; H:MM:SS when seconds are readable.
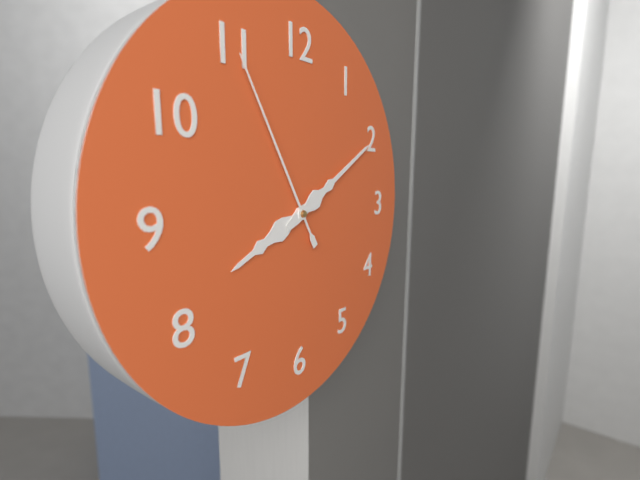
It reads **8:10:55**
